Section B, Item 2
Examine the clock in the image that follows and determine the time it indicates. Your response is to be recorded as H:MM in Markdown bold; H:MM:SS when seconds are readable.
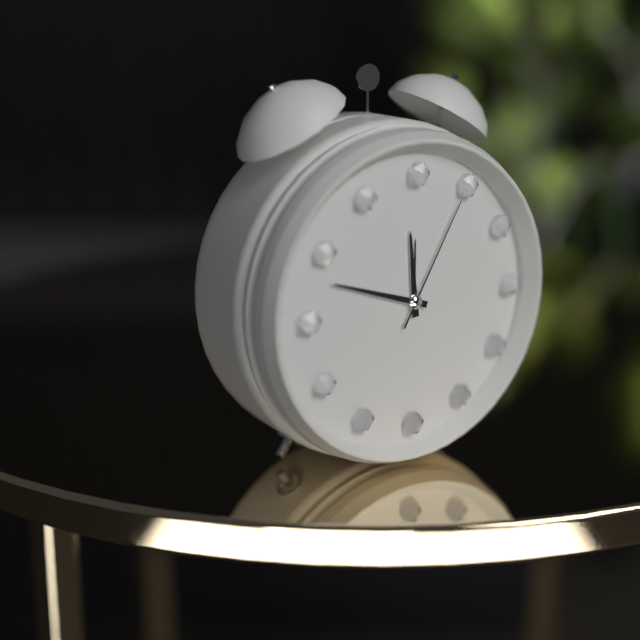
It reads **11:48:05**
